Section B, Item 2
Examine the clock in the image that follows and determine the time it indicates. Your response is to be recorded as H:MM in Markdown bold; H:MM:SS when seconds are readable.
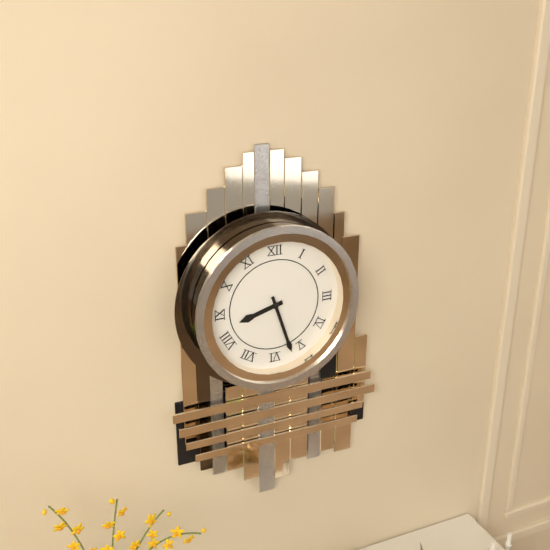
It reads **8:27**
